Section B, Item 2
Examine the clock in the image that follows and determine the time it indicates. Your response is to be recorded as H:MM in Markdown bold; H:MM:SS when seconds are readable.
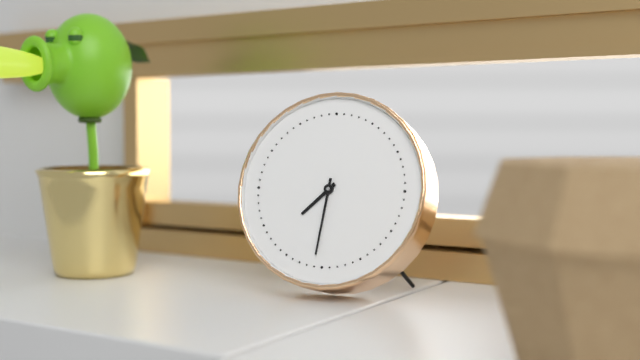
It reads **7:31**
